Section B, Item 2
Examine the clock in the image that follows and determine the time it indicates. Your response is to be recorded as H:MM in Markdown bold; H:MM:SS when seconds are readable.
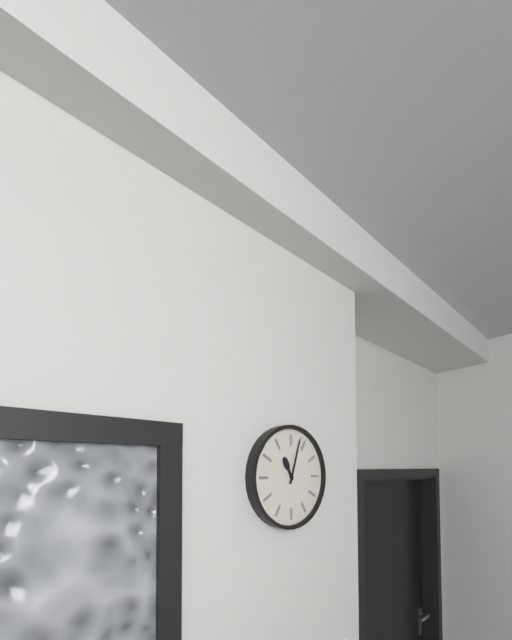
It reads **11:03**
